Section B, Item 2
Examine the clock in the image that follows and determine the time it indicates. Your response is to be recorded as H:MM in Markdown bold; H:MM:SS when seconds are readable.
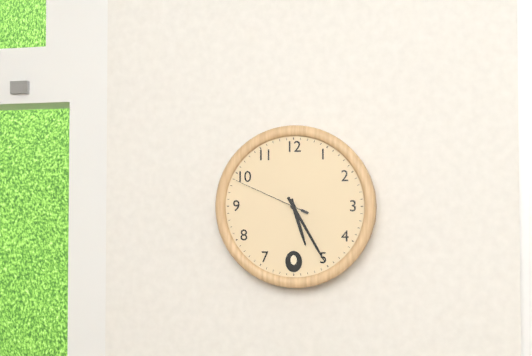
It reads **5:25:49**
